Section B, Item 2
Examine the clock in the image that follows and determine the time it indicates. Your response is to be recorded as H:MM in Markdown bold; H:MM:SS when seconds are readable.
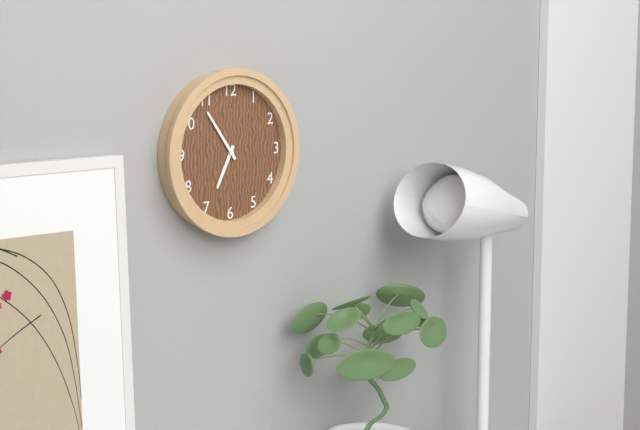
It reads **6:54**
